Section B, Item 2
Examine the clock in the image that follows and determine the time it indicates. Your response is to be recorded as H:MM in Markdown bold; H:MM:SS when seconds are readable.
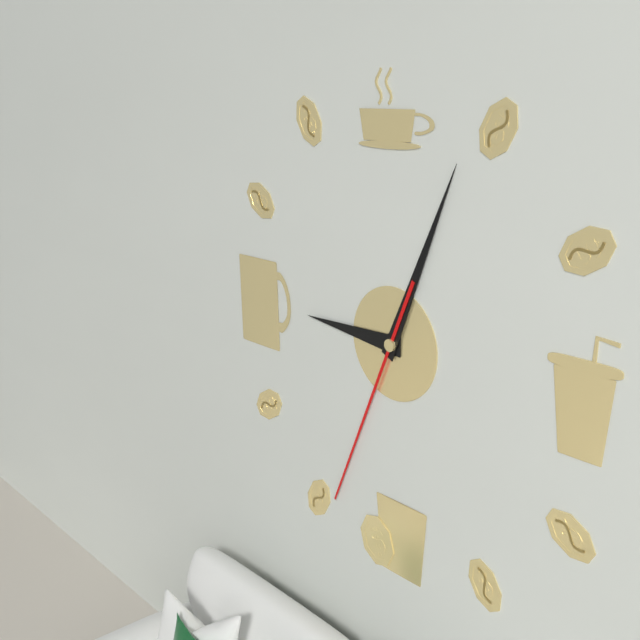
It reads **9:04:34**
